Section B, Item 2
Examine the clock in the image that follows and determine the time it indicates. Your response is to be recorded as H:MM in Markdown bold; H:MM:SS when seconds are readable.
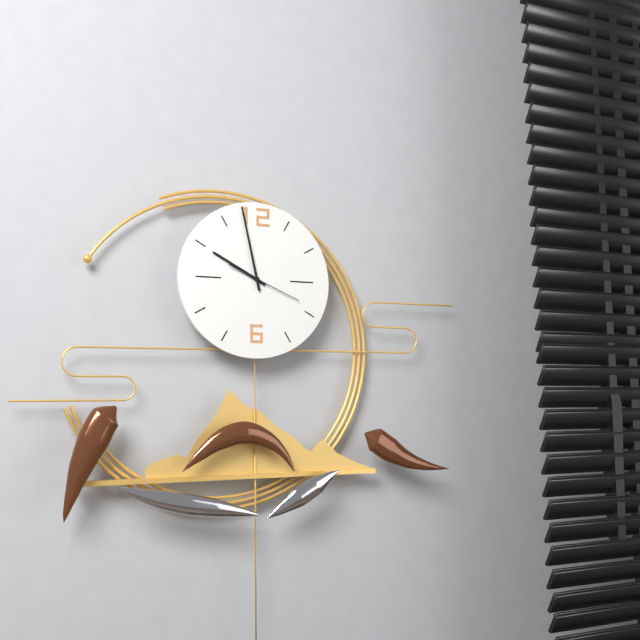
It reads **9:58:19**
